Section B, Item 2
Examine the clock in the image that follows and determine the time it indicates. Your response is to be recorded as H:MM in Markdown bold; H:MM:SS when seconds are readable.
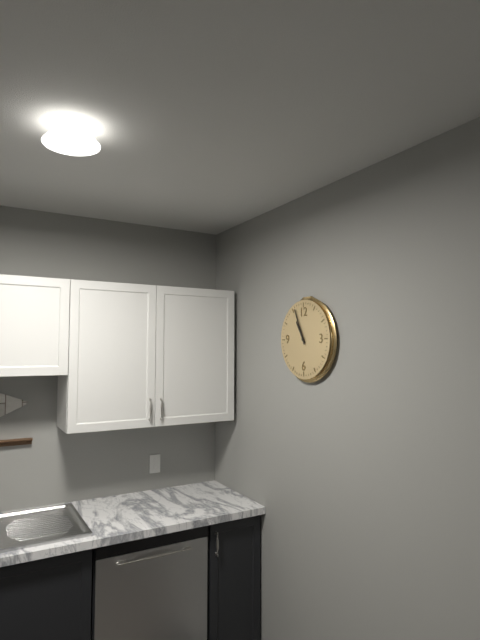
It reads **10:56**
